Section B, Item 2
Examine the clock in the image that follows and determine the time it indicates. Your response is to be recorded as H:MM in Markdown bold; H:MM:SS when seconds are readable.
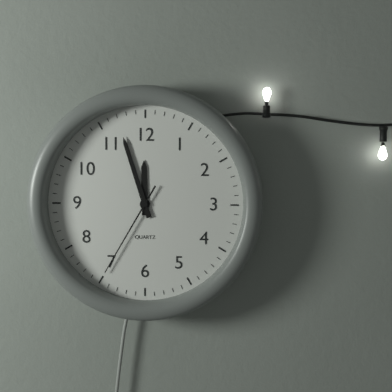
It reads **11:57:35**
